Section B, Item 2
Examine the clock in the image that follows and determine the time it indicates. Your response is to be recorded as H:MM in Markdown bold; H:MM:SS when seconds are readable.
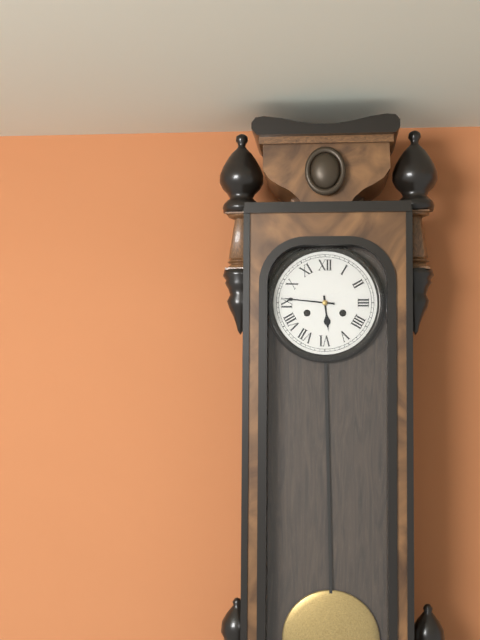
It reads **5:46**
